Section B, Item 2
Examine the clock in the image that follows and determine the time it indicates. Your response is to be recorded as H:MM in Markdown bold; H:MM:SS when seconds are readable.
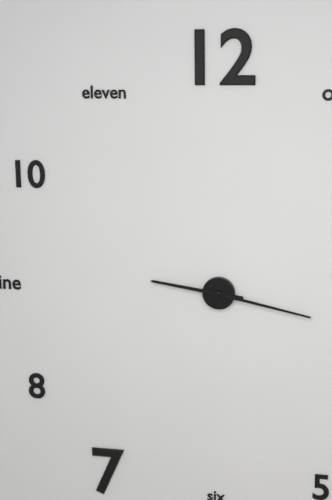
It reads **9:17**
